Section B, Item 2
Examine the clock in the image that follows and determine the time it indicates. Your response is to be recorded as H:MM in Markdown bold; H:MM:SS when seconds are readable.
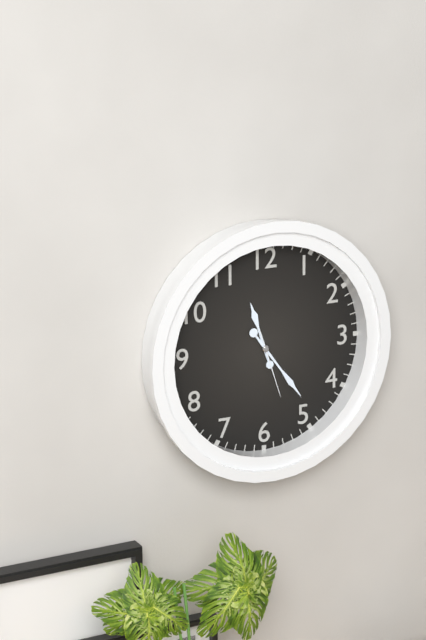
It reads **11:24:27**
